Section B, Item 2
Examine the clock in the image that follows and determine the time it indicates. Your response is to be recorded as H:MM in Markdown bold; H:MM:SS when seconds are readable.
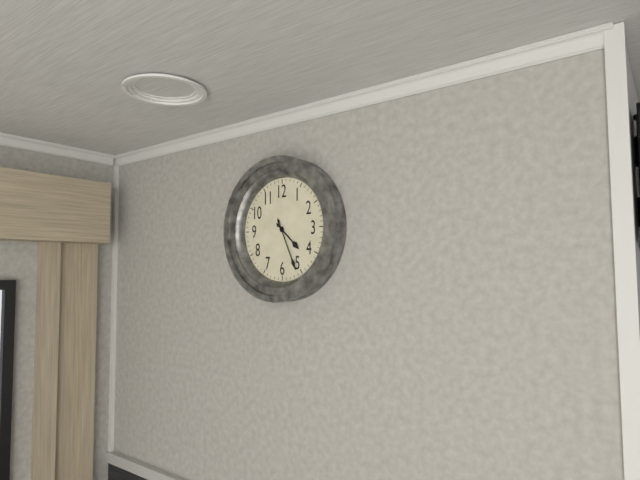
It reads **4:26**
